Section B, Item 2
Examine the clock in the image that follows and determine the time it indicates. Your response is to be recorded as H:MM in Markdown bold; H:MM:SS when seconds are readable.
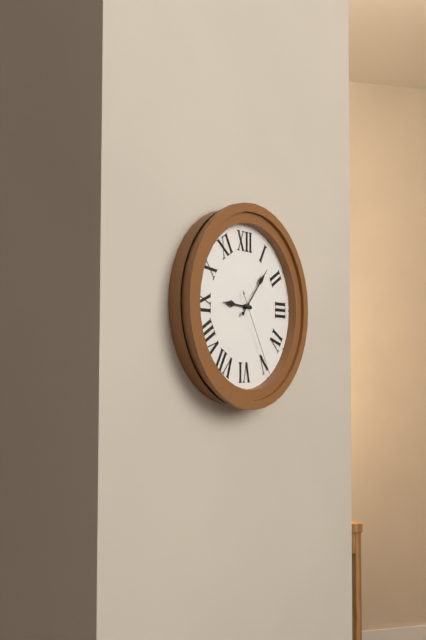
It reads **9:07:25**
